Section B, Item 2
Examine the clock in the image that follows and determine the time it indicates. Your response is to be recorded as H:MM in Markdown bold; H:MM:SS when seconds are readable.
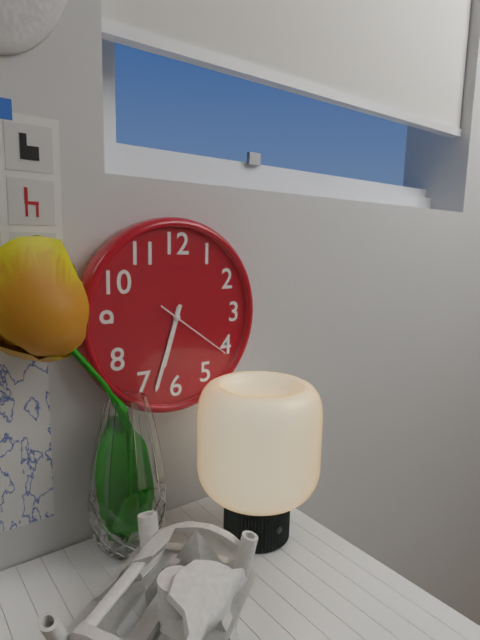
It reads **6:33:21**
